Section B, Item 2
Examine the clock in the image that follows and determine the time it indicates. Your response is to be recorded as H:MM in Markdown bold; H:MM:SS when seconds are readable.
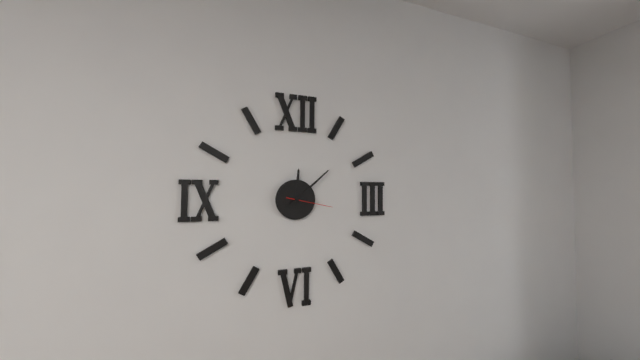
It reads **12:08**
